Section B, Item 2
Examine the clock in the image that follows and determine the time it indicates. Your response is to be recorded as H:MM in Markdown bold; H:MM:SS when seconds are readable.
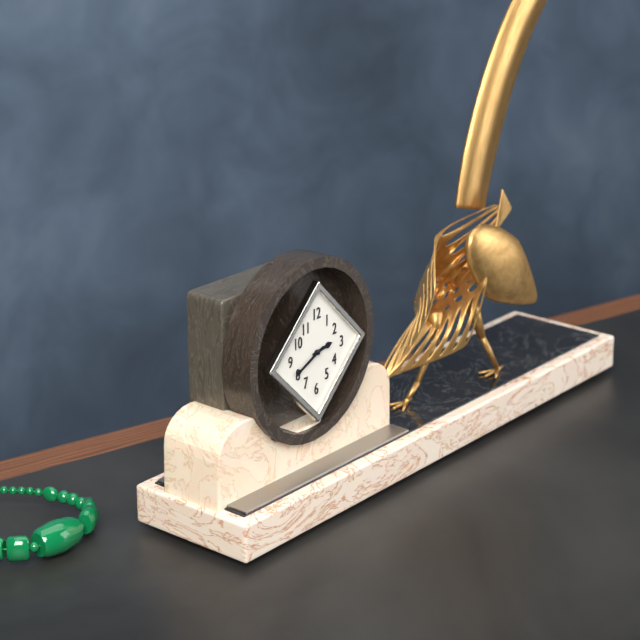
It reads **2:41**
